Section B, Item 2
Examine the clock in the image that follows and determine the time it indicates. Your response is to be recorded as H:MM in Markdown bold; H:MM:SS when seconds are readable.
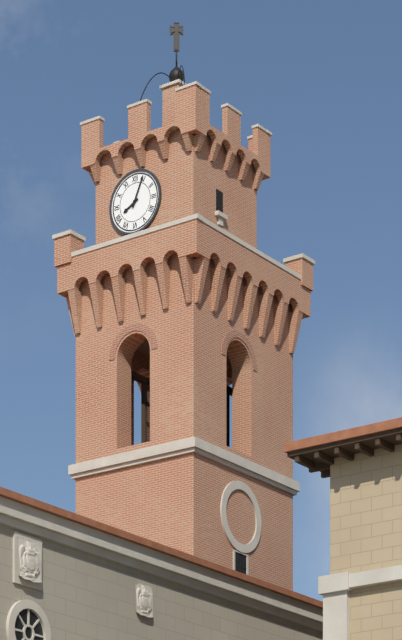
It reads **8:04**
